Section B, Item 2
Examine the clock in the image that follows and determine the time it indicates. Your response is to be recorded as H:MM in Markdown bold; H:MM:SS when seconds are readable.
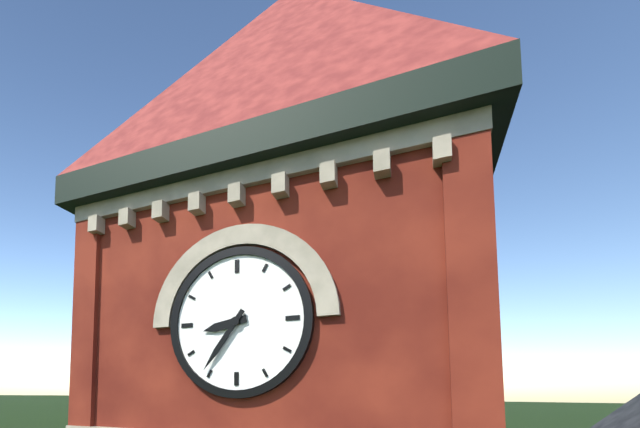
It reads **8:36**
